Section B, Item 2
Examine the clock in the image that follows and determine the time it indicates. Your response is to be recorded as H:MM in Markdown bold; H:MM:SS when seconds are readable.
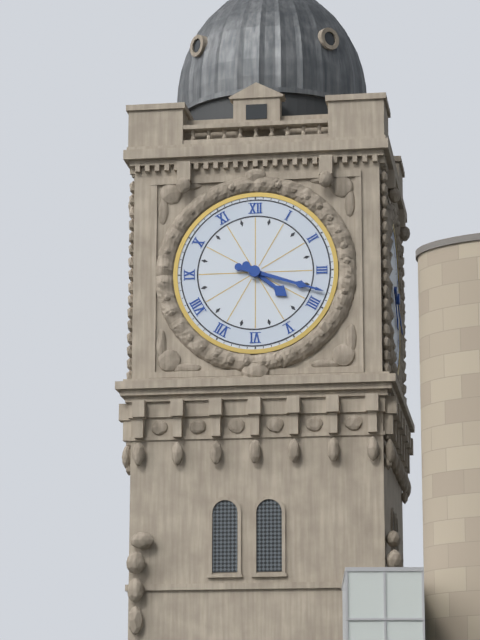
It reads **4:18**
